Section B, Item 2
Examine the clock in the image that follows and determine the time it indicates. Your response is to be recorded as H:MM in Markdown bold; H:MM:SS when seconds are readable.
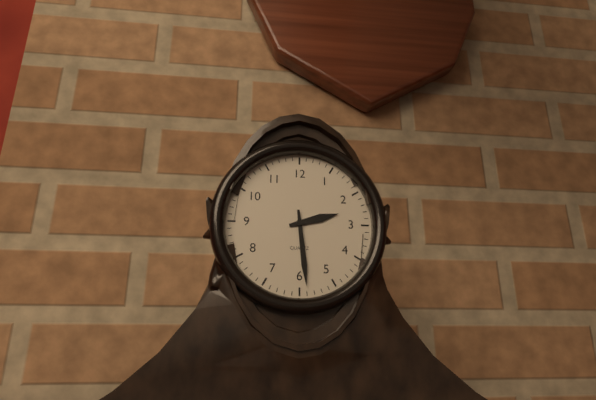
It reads **2:29**
